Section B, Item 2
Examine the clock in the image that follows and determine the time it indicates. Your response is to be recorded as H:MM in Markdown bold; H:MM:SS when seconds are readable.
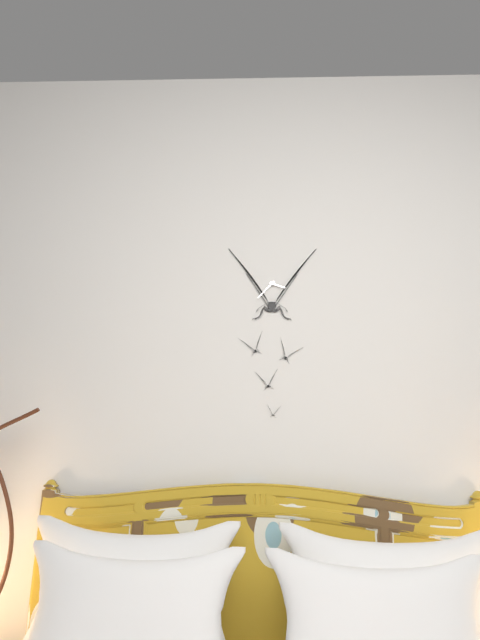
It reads **3:37**
